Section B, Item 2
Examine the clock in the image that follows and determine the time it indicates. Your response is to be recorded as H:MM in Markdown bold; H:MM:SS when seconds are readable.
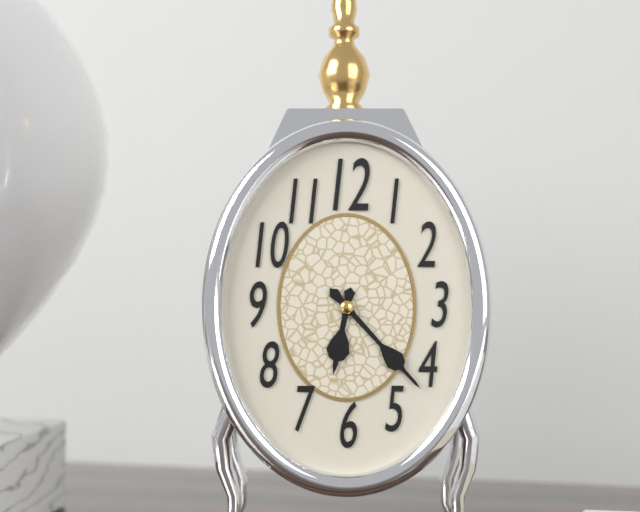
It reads **6:23**
